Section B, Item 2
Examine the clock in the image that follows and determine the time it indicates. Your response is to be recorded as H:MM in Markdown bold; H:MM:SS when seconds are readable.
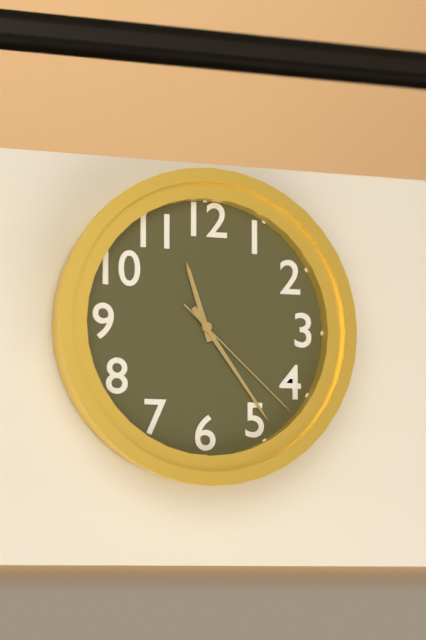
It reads **11:24:22**
